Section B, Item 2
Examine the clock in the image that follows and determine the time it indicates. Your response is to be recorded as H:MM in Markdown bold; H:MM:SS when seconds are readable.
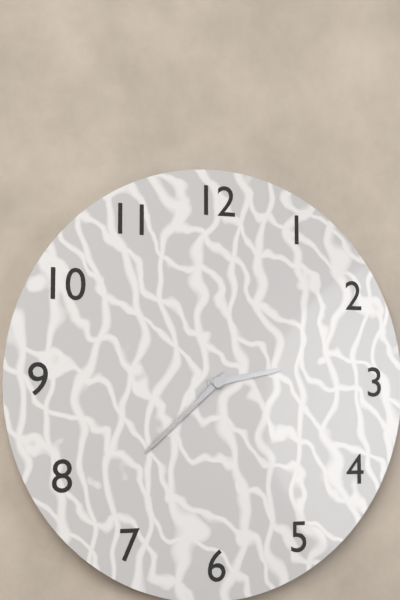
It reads **2:38**
